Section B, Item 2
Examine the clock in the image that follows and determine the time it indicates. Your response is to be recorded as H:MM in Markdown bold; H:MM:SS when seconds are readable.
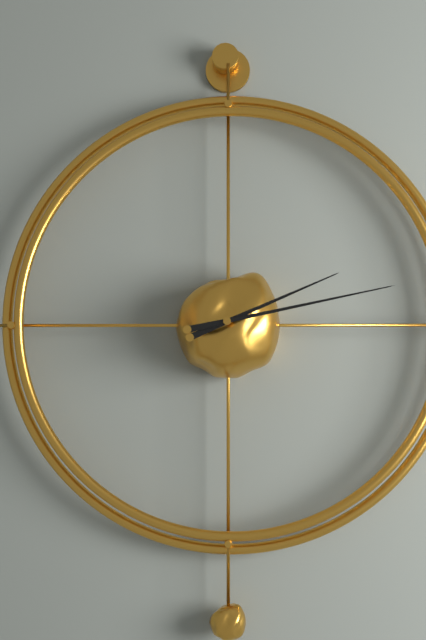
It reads **2:13**
